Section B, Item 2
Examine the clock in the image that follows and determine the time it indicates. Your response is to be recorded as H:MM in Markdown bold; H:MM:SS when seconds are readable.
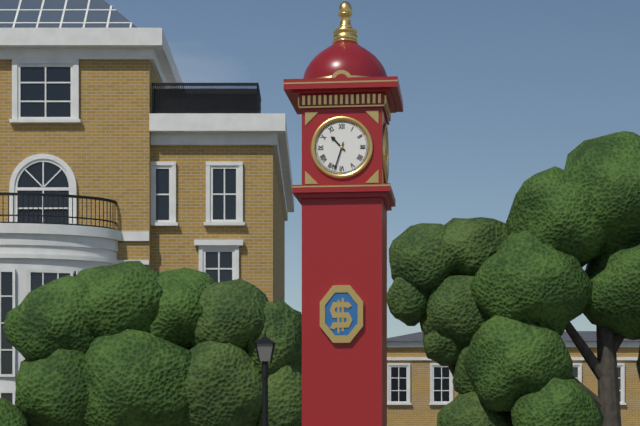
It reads **10:33**
